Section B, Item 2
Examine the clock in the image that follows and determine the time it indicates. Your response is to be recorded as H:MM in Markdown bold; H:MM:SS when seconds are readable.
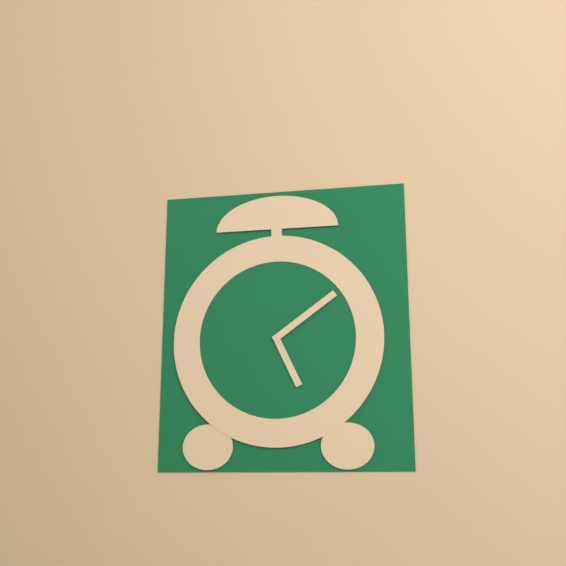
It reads **5:09**
